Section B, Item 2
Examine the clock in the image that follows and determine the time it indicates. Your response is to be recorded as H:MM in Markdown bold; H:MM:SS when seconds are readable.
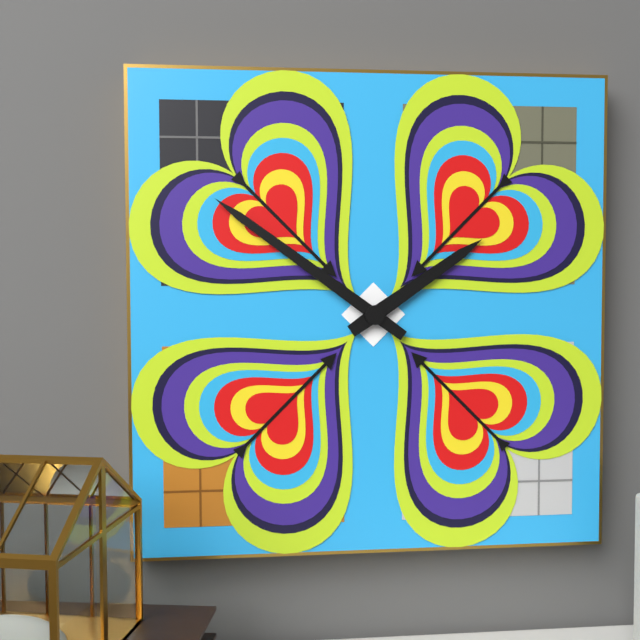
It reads **1:51**
